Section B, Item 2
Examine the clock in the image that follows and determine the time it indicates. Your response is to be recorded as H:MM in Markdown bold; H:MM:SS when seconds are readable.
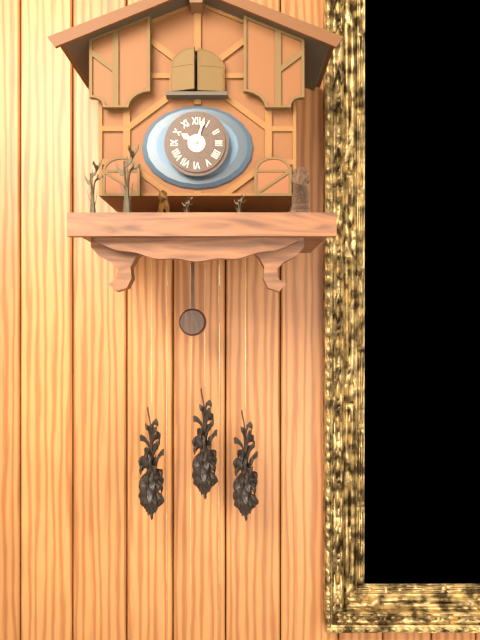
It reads **10:03**
